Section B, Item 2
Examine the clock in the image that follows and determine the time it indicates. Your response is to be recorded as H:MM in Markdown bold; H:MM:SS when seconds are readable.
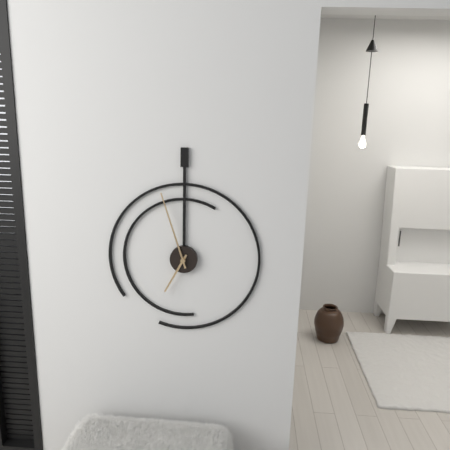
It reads **6:57**
